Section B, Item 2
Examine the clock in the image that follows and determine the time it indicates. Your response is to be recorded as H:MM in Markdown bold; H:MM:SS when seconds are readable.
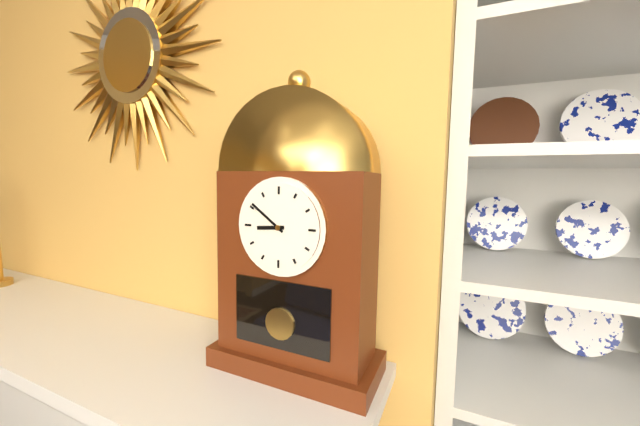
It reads **8:51**
